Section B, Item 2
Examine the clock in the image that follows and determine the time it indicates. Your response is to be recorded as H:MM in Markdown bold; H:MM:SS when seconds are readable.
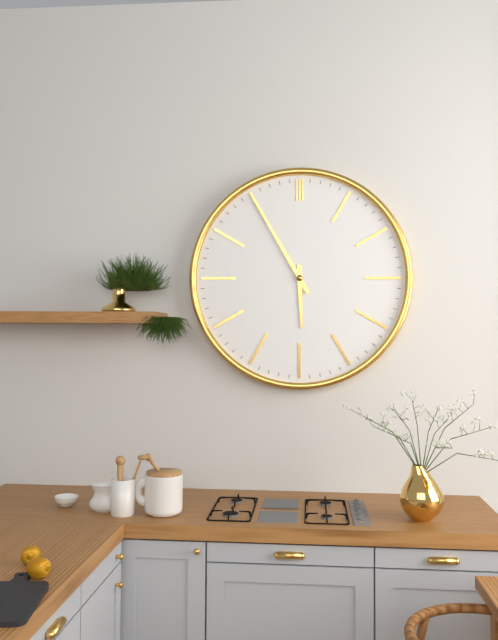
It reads **5:55**
